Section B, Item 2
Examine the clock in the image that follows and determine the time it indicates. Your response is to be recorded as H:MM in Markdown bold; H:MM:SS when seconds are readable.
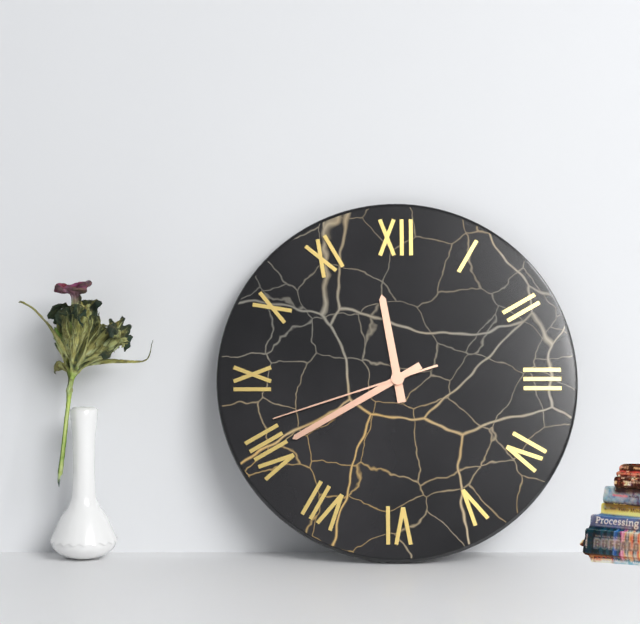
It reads **11:40:42**
